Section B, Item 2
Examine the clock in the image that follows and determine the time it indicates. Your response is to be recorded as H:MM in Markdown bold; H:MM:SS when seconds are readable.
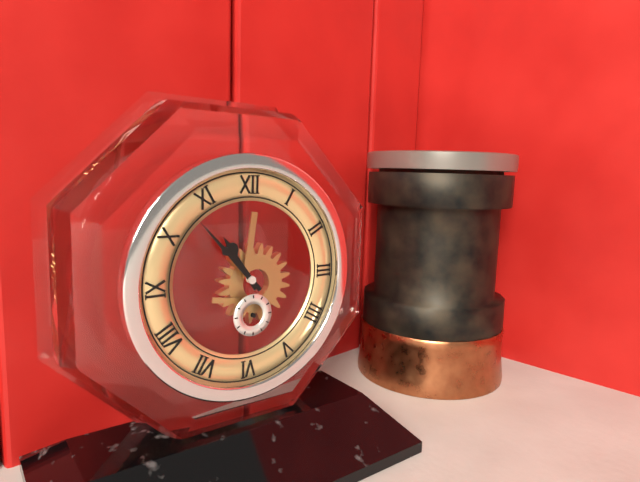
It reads **10:53**
